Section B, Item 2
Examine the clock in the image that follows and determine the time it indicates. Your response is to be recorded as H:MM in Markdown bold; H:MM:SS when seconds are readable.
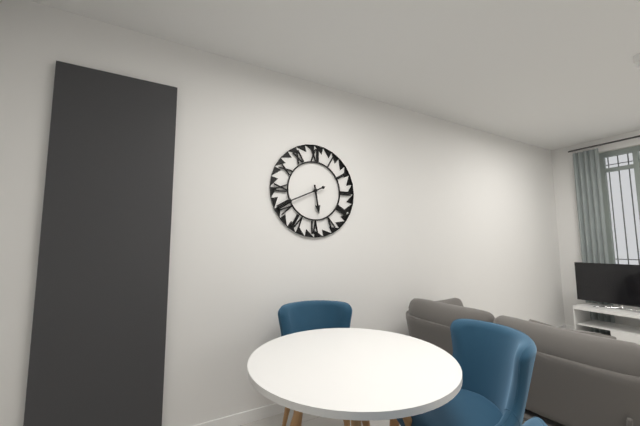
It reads **5:41**
